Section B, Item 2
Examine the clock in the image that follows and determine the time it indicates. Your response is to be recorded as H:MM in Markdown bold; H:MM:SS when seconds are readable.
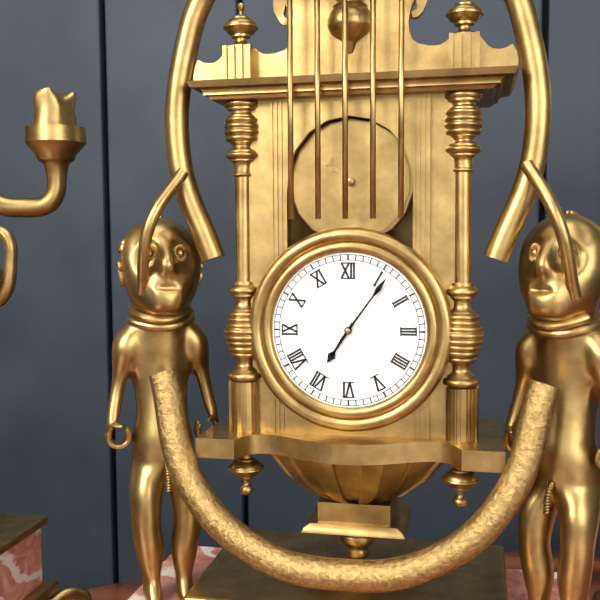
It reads **7:06**
